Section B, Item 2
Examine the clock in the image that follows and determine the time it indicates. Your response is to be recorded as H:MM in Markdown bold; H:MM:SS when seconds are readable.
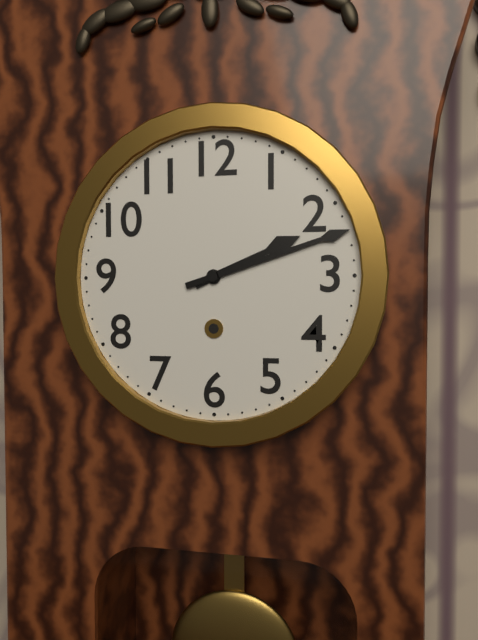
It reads **2:12**
